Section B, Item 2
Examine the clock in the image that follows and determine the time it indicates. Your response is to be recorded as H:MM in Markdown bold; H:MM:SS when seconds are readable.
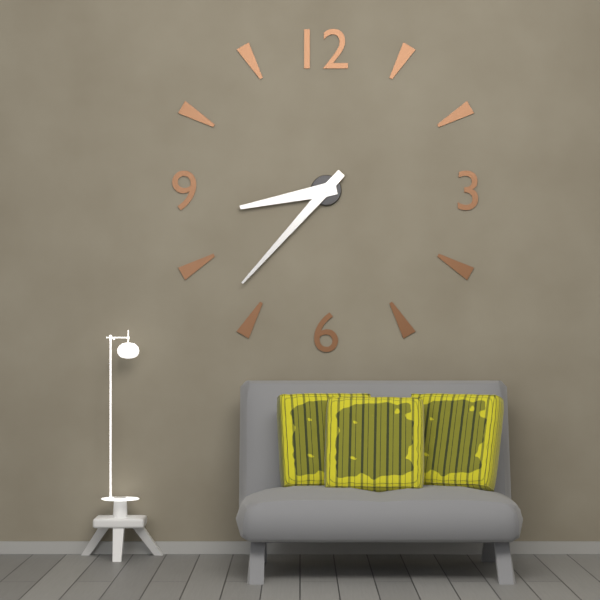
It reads **8:37**
